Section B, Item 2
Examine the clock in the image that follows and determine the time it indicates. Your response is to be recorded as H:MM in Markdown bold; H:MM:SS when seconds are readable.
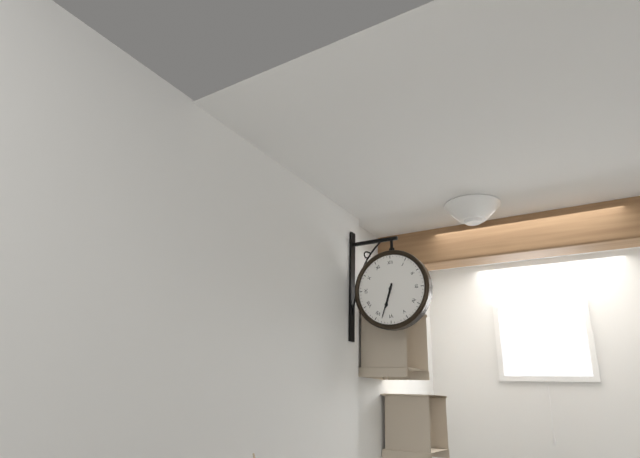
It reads **6:33**
